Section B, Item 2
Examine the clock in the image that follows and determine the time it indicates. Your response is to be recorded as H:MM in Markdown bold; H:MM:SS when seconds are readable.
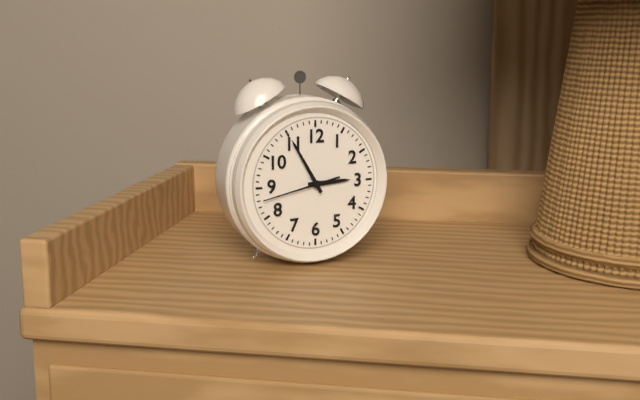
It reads **2:55:43**
